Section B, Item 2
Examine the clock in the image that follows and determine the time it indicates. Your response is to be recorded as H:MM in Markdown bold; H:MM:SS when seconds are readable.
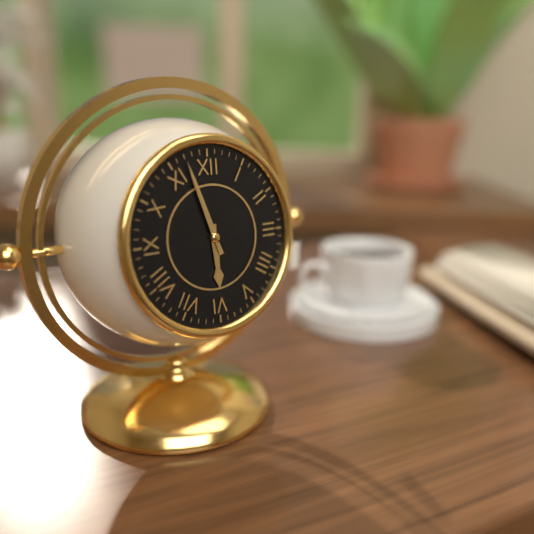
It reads **5:57**
